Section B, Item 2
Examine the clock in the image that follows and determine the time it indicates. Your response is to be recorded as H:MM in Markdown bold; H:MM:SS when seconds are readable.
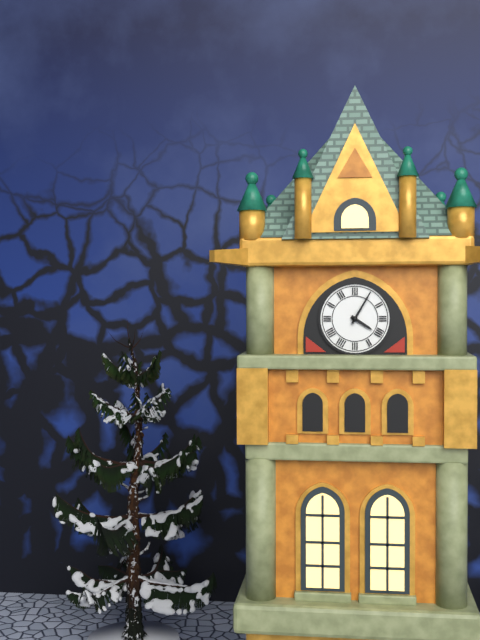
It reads **4:05**
